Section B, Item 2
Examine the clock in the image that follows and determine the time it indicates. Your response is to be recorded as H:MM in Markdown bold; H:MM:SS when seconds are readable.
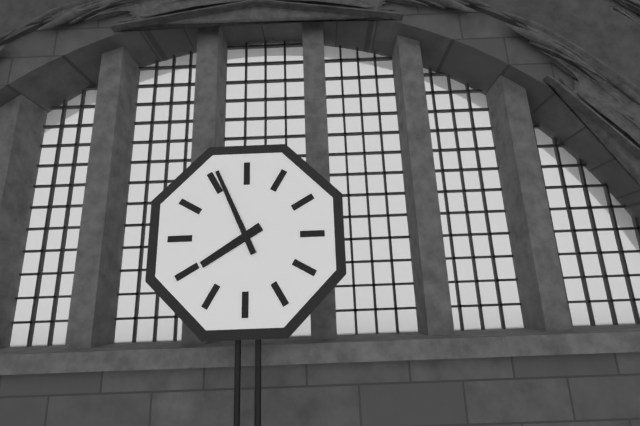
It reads **7:56**
